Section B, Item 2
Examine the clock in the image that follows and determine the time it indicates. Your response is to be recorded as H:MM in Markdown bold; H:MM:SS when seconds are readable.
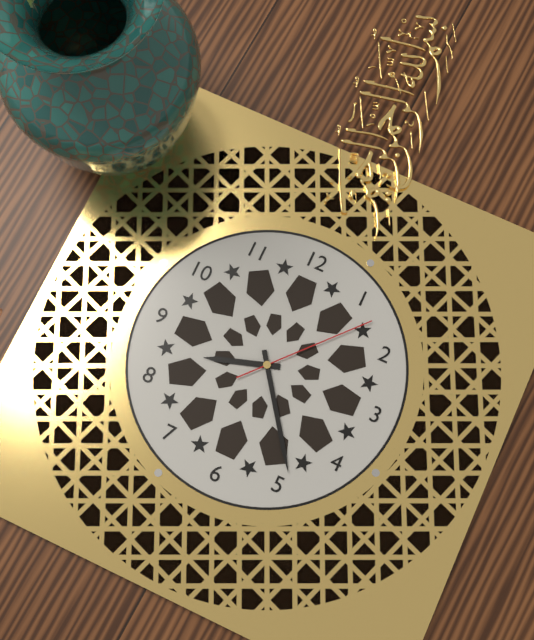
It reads **8:24:07**
